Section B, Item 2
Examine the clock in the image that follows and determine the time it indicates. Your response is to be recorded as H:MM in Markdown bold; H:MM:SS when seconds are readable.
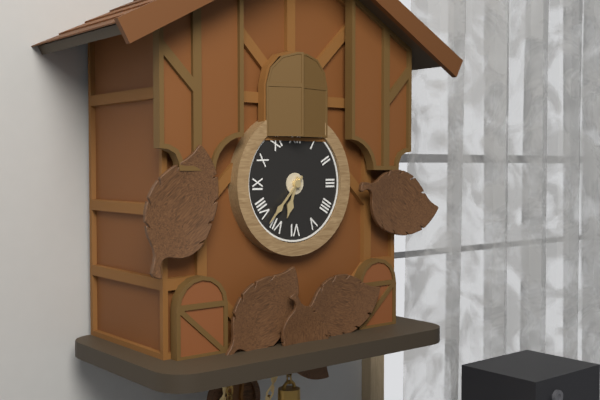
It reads **6:37**
